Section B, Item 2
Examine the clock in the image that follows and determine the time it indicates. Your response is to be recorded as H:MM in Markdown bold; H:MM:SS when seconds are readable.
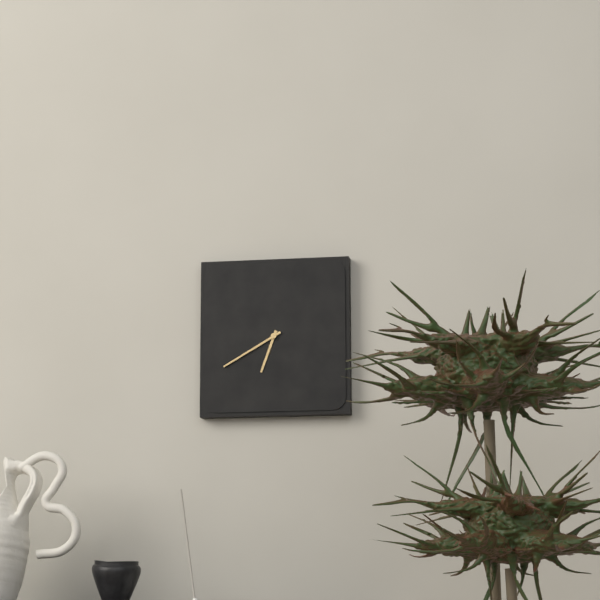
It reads **6:40**
